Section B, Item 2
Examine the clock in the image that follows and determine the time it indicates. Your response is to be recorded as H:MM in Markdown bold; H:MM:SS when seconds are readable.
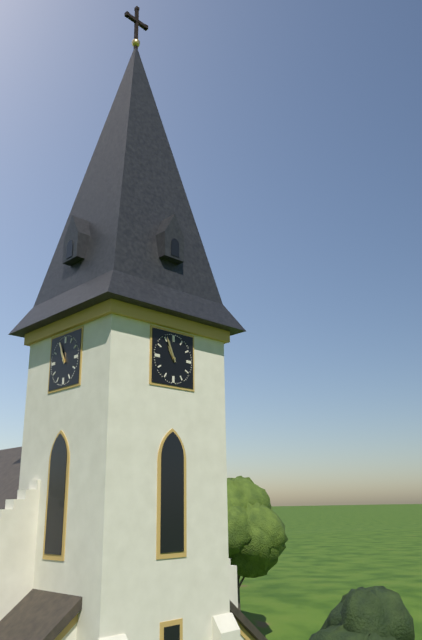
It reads **10:56**
